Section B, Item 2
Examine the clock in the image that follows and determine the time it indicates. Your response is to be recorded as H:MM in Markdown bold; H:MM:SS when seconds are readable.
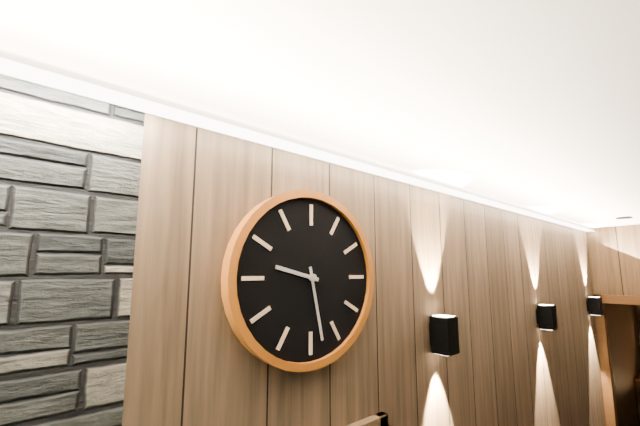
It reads **9:28**
